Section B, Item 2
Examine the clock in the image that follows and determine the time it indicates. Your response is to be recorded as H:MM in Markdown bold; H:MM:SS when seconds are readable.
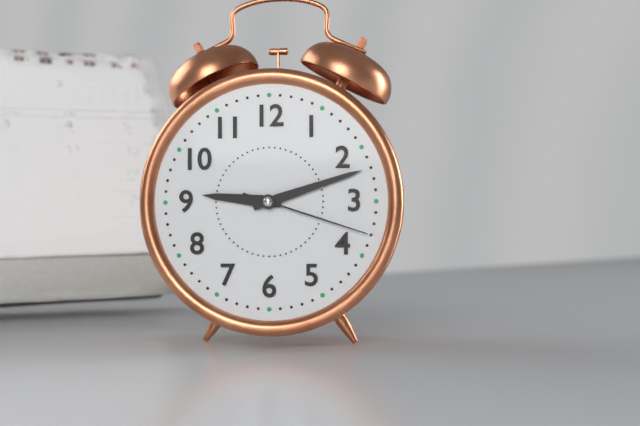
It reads **9:12:18**
